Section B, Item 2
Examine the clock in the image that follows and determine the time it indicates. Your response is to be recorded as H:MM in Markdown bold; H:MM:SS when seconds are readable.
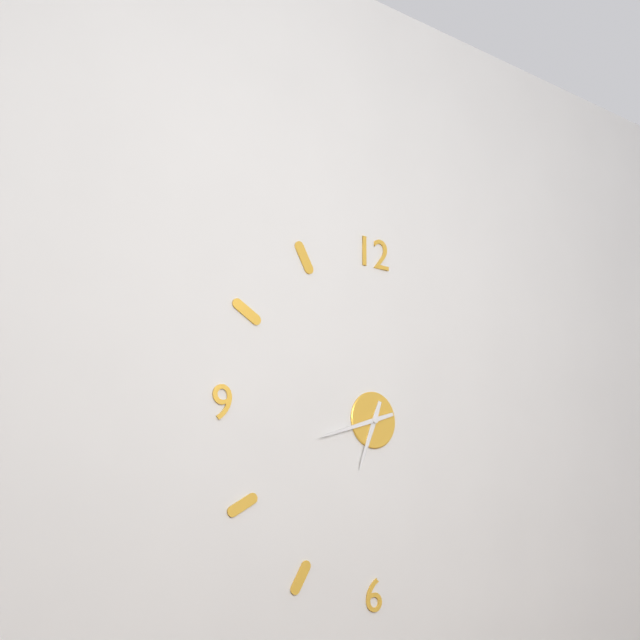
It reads **6:42**
